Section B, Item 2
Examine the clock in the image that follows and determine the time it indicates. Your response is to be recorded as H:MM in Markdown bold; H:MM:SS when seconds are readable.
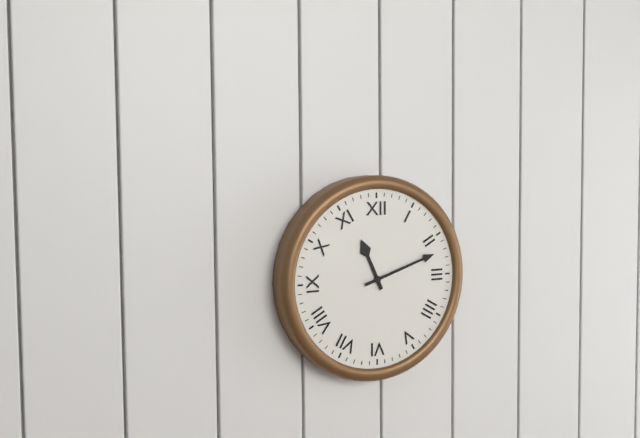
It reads **11:12**
